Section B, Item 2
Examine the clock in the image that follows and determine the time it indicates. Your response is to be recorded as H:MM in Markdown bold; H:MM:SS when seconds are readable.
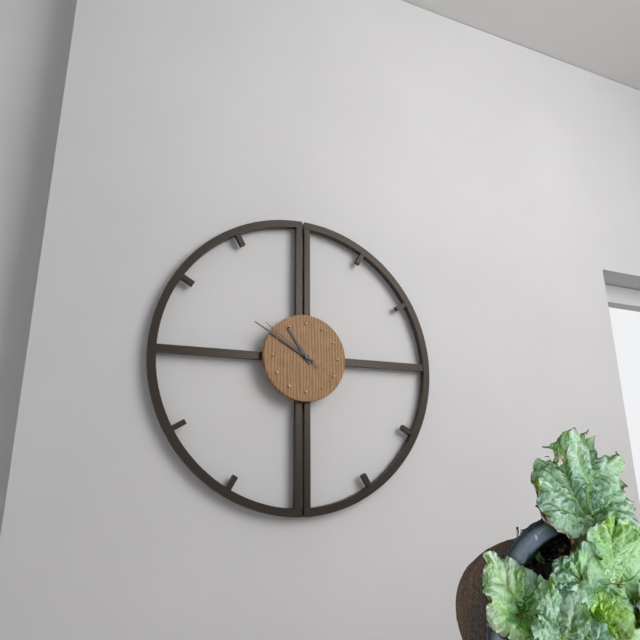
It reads **10:50:51**
